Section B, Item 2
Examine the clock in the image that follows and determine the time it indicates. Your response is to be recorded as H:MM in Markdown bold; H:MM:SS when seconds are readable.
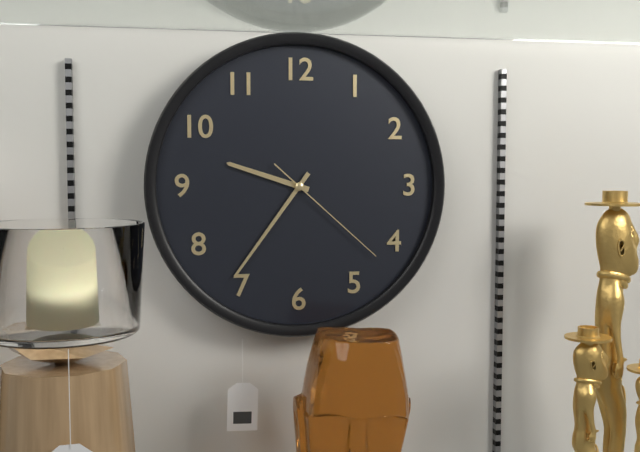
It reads **9:36:22**
